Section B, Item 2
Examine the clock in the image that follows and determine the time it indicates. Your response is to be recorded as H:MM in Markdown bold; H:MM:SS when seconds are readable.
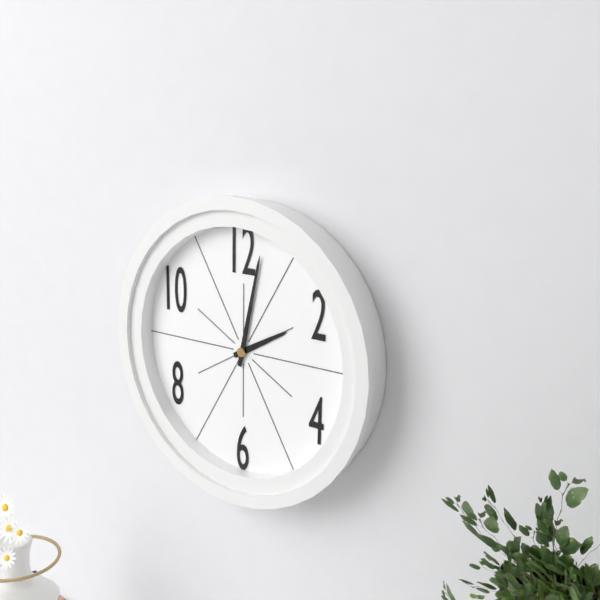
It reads **2:02**
